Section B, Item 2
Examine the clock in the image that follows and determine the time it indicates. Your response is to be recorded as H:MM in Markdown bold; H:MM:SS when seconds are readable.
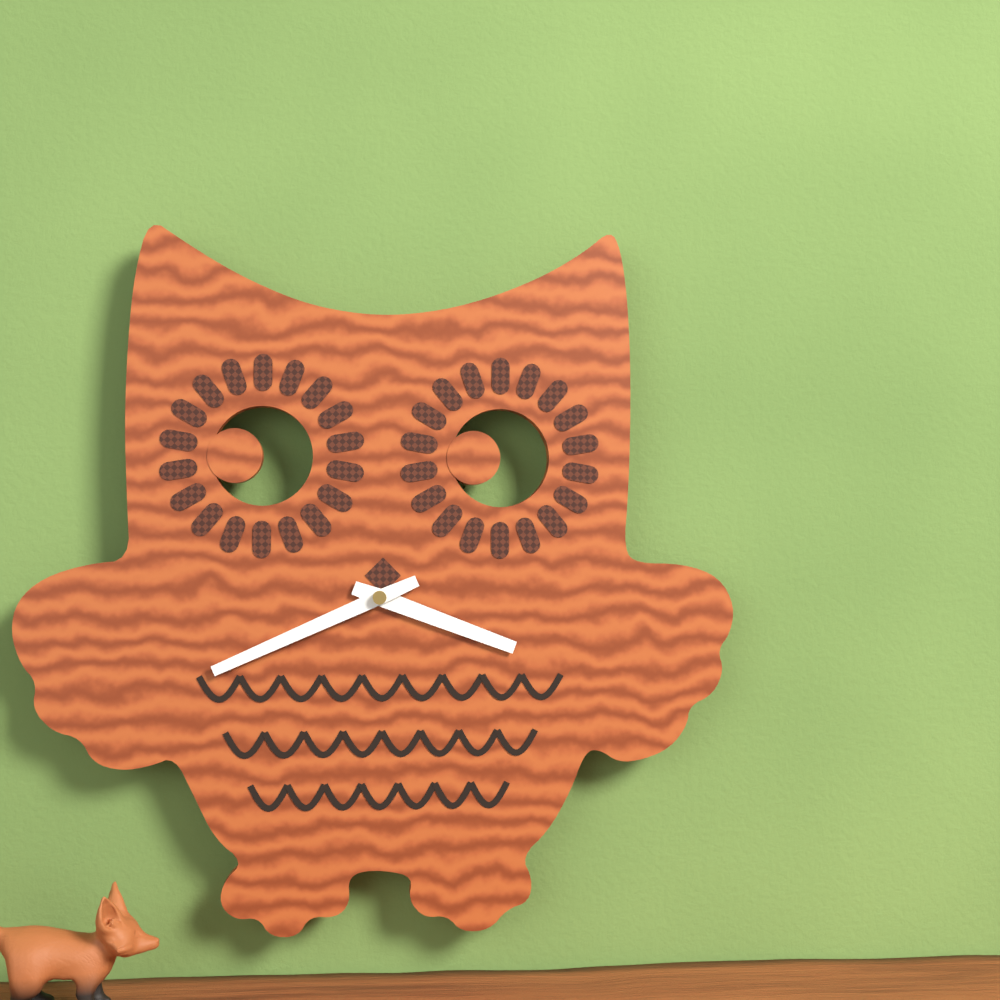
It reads **3:41**
